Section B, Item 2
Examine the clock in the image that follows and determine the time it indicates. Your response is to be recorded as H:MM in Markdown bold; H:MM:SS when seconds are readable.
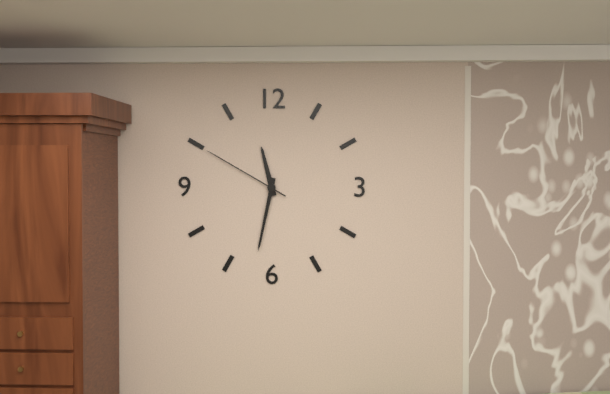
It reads **11:32:50**
